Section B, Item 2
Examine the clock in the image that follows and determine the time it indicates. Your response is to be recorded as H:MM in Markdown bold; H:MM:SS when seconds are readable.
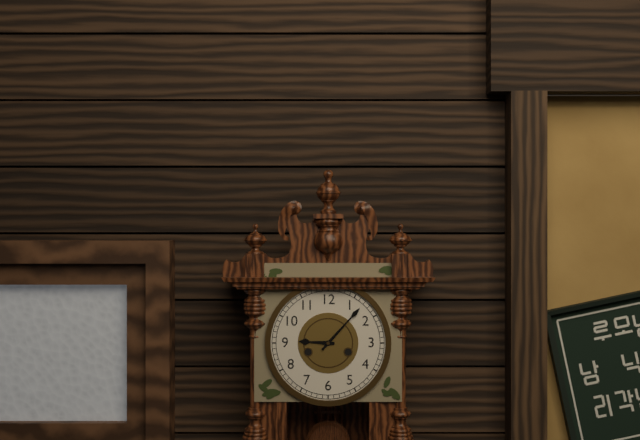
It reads **9:07**
